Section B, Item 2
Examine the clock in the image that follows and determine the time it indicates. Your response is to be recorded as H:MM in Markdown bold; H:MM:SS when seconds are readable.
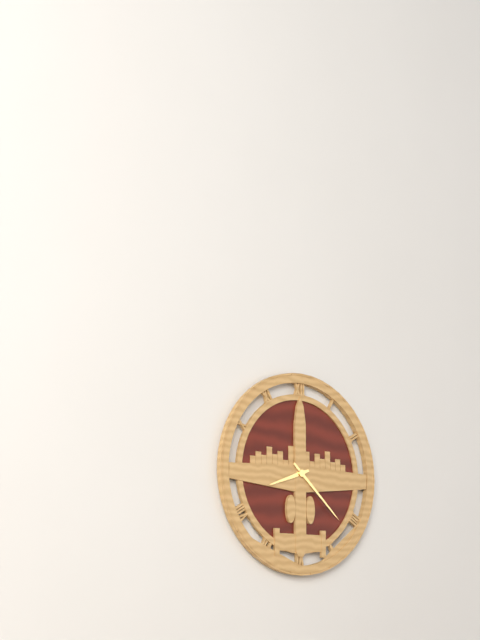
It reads **8:22**
